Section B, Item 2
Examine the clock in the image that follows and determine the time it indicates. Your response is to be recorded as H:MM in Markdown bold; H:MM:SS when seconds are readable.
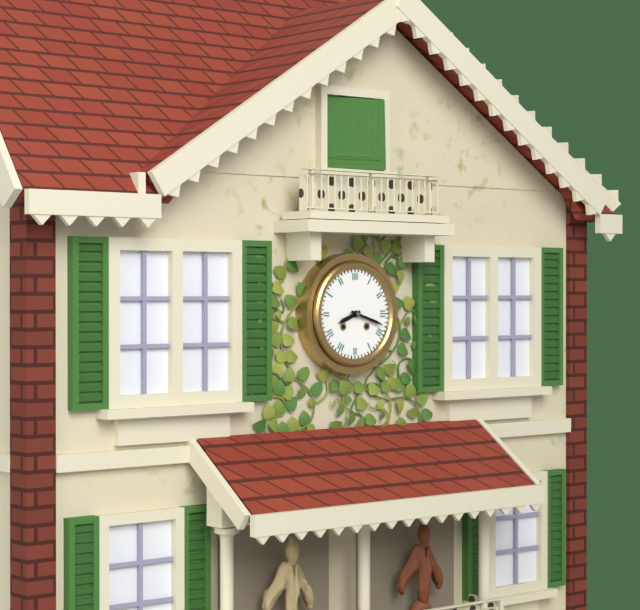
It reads **8:18**
